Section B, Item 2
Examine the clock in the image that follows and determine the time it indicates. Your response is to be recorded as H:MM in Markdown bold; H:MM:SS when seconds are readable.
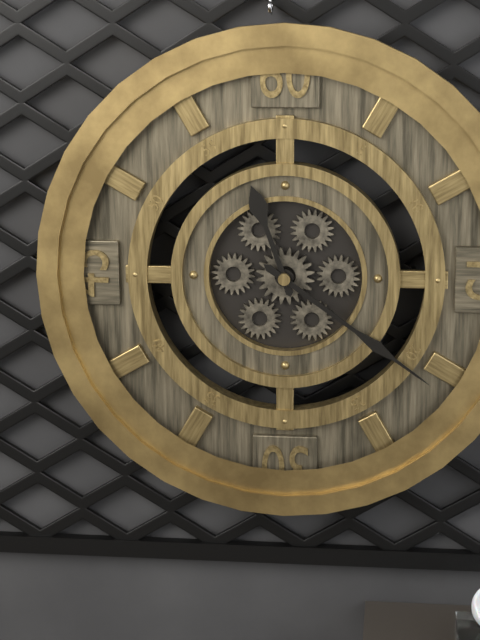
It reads **11:21**
